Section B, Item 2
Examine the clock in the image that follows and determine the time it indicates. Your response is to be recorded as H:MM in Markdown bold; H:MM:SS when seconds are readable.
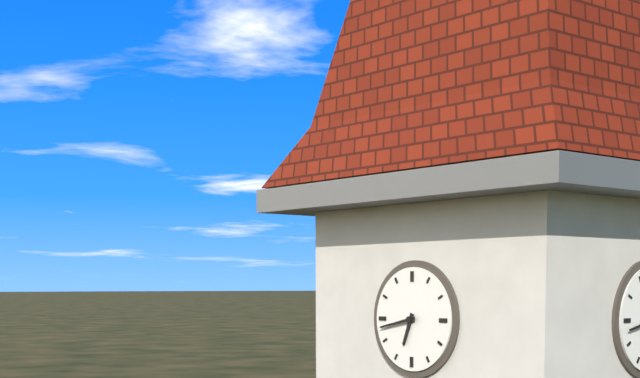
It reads **6:43**
